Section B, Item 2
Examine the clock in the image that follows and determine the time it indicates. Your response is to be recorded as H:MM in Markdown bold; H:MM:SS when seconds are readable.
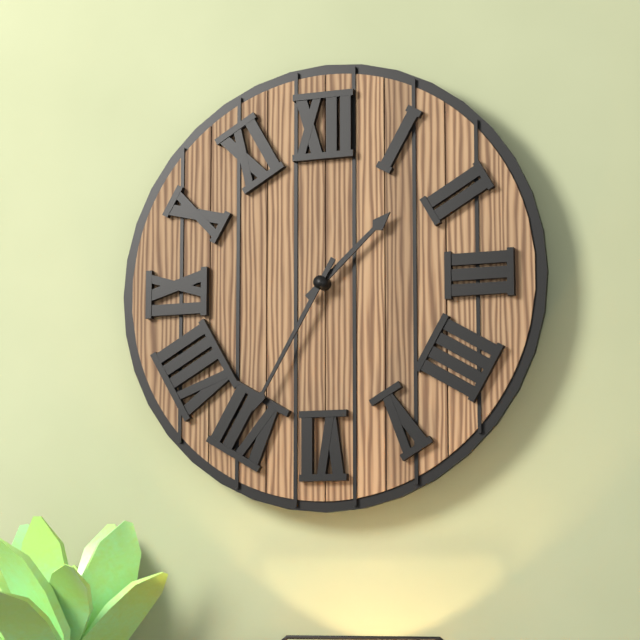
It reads **1:35**
